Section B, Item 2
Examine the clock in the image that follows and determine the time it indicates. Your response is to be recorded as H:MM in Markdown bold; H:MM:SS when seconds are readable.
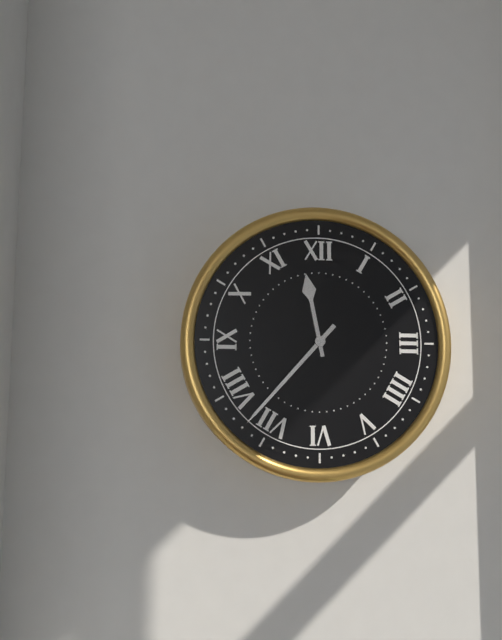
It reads **11:37**
